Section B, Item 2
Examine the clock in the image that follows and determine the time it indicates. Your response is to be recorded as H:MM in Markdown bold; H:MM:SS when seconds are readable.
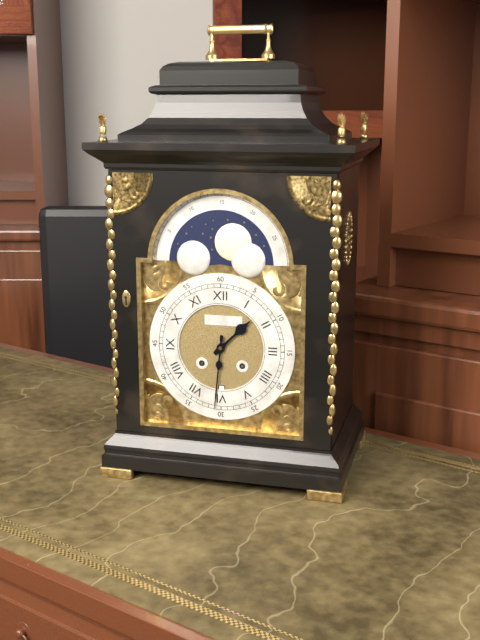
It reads **1:31**
